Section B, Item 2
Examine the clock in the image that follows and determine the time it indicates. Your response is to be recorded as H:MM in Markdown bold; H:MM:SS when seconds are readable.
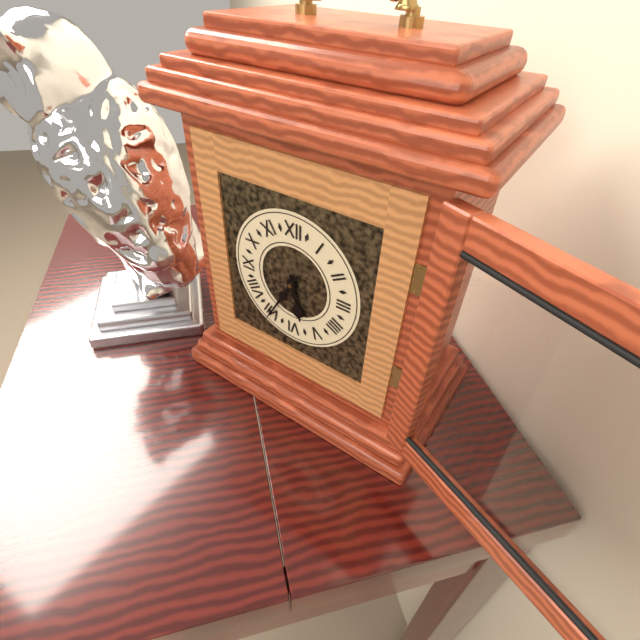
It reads **5:35**
